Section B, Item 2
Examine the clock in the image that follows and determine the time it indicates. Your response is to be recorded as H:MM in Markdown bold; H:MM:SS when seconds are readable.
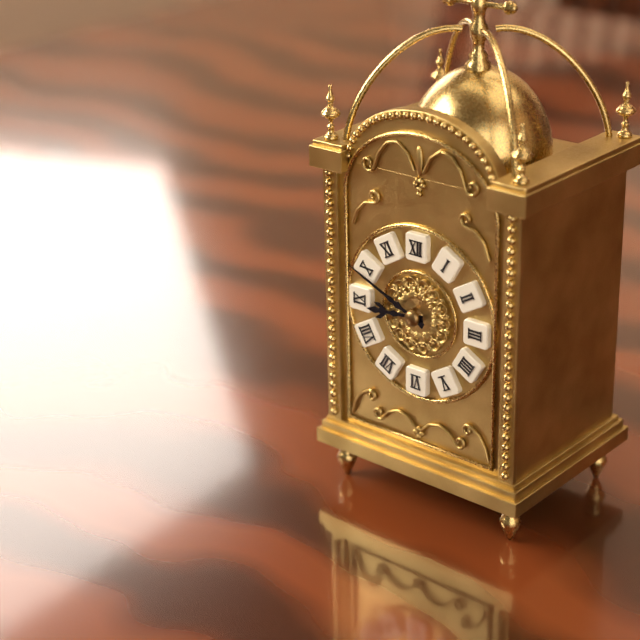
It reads **8:49**
